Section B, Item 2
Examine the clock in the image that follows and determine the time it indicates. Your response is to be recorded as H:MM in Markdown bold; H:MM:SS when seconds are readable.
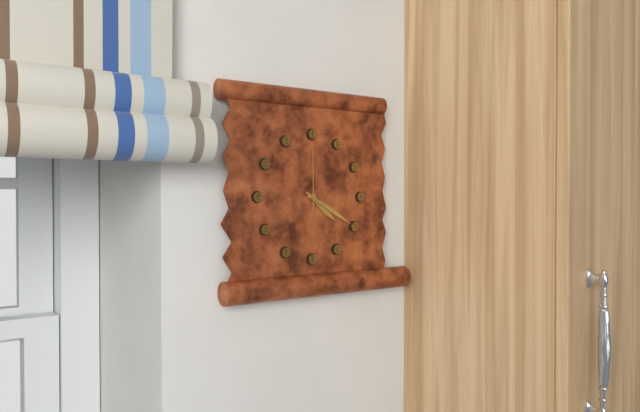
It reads **4:20:00**
